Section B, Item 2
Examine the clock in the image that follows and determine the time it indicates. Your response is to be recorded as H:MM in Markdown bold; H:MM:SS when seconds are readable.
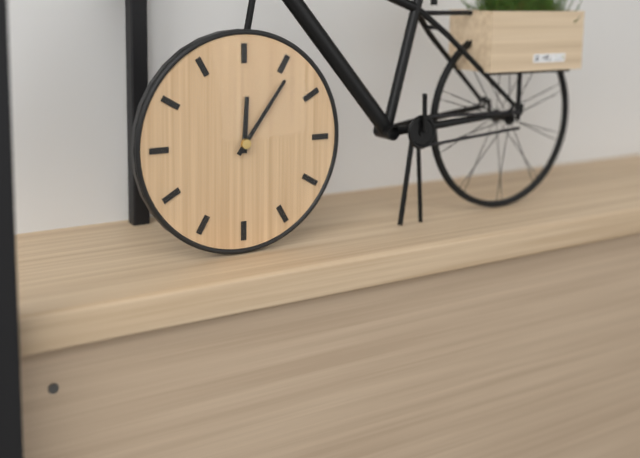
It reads **12:06**
